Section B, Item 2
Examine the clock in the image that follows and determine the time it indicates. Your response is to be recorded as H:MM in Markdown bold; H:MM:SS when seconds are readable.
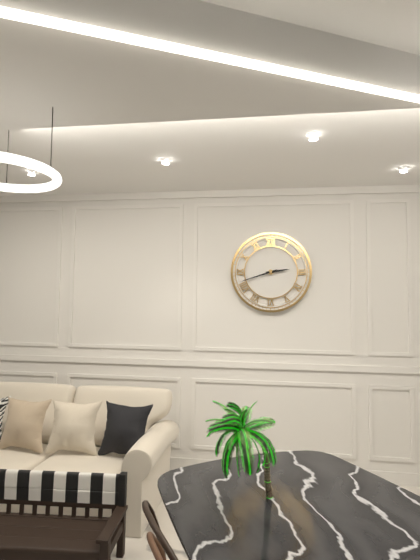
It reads **2:42**
